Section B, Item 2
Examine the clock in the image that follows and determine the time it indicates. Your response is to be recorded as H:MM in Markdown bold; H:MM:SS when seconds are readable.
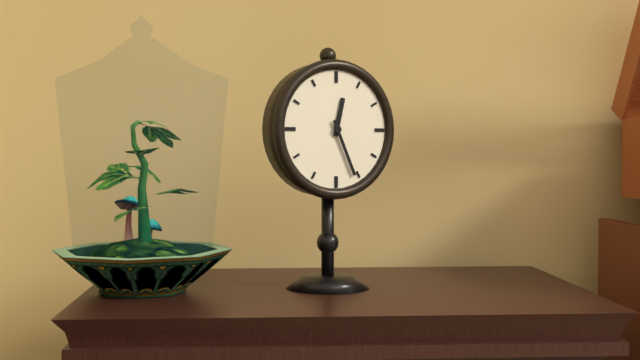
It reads **12:26**
